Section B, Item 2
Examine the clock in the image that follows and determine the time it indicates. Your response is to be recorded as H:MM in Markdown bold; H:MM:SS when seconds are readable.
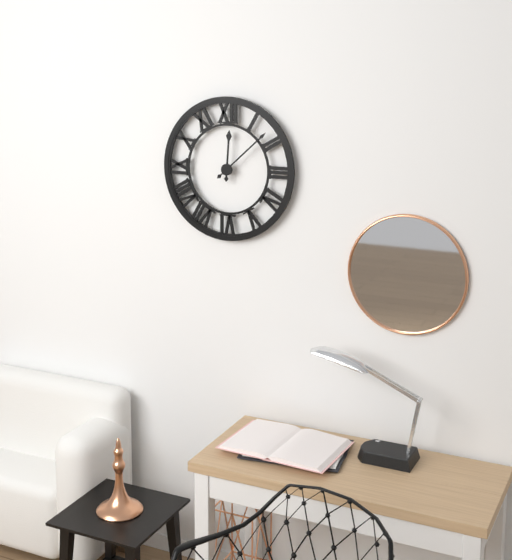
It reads **12:08**
